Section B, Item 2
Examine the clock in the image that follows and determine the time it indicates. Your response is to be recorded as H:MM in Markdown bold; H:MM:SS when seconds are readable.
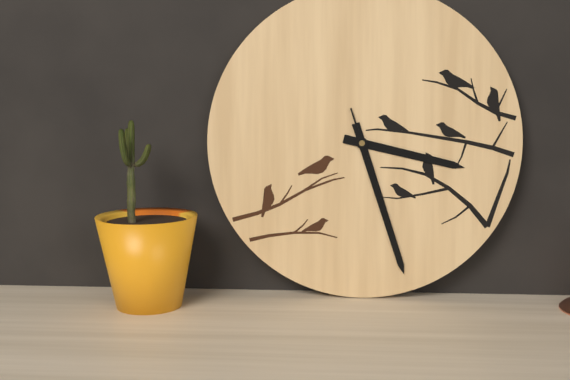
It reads **3:27:27**
